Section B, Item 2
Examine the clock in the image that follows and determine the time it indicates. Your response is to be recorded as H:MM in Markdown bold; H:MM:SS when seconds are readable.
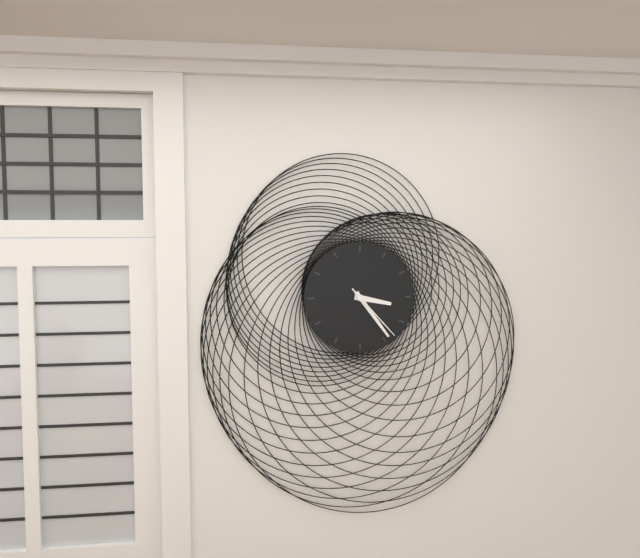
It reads **3:24:23**
